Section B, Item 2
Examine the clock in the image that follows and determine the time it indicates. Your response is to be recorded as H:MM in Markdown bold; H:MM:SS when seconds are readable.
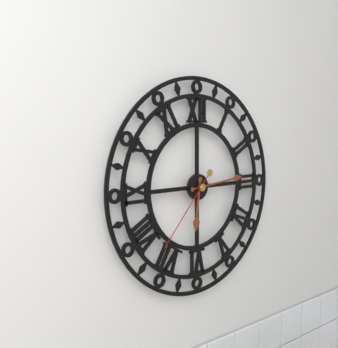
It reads **6:14:37**
